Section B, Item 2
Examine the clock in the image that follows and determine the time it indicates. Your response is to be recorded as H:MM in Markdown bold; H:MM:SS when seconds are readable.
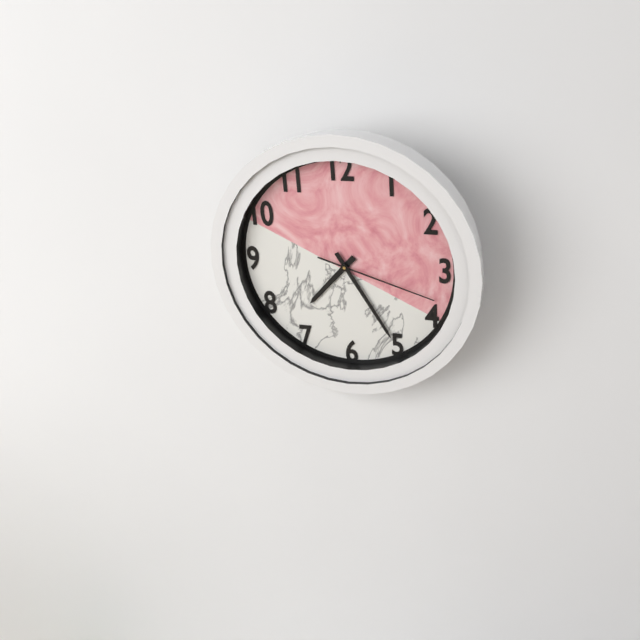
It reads **7:25:18**
